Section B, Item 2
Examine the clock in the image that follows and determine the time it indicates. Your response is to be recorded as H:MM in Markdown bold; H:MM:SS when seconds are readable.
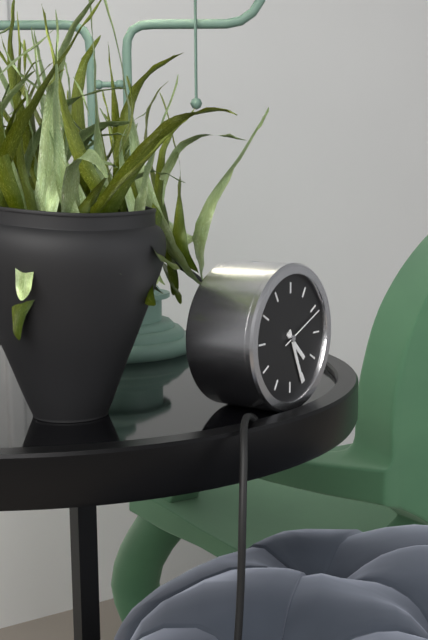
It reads **4:26:11**
